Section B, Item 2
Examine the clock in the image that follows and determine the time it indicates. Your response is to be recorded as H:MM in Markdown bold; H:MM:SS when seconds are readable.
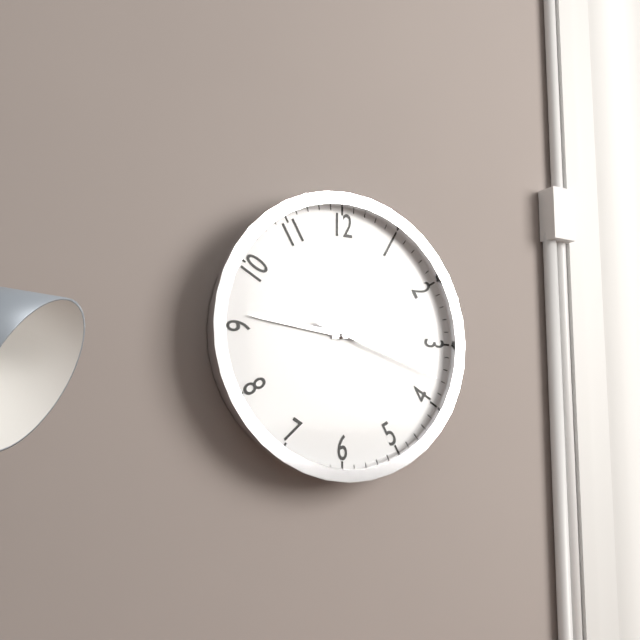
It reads **2:46:18**
